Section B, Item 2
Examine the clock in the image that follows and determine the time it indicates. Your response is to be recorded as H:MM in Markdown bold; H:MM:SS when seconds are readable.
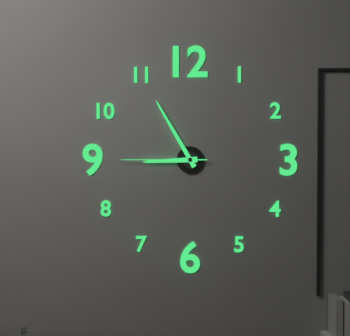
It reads **8:55:45**
